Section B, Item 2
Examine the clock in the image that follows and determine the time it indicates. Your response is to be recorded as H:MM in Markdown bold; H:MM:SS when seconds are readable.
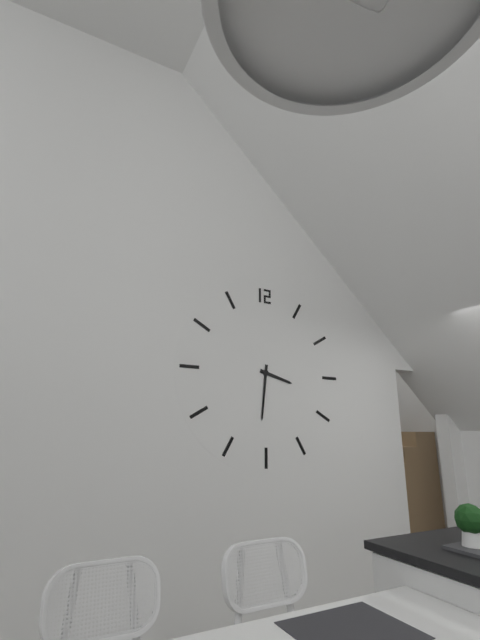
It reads **3:31**
